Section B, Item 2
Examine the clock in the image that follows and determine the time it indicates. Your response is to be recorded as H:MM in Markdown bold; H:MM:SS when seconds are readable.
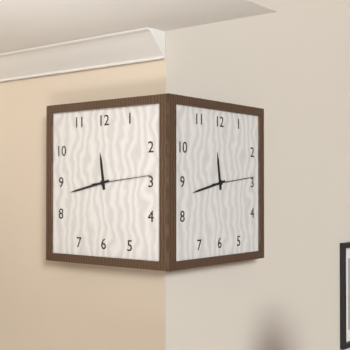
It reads **11:43**
